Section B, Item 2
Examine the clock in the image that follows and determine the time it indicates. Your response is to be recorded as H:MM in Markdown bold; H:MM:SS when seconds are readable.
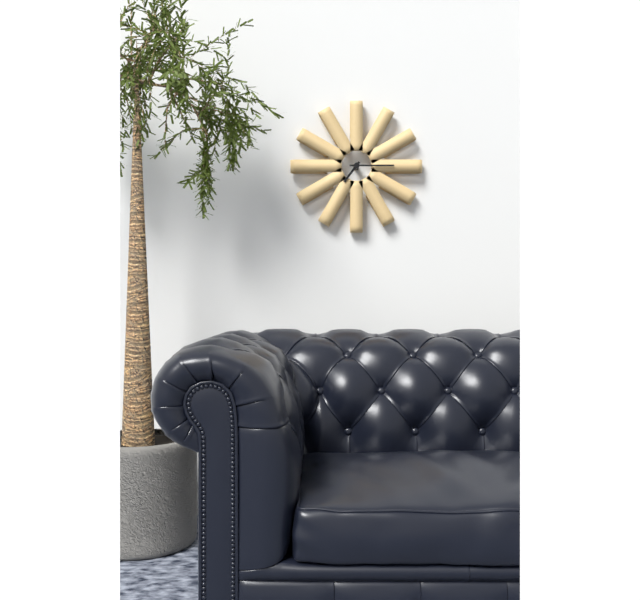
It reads **7:15**
